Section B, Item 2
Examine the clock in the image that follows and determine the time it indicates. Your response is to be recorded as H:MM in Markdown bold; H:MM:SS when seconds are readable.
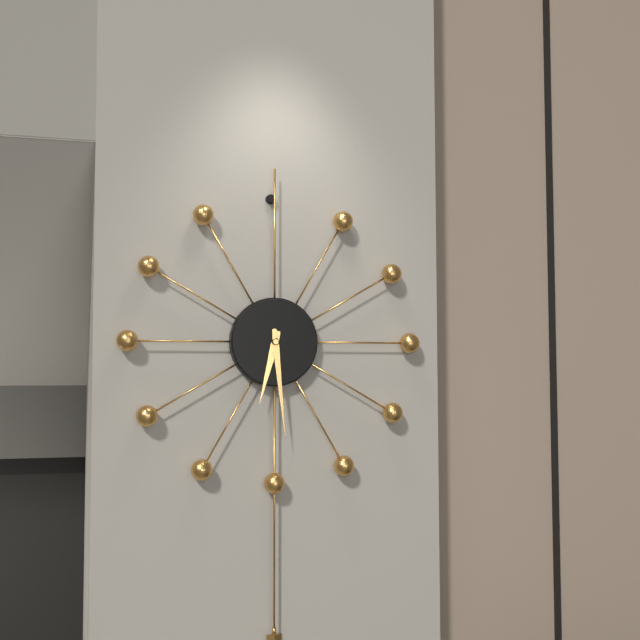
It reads **6:29**
